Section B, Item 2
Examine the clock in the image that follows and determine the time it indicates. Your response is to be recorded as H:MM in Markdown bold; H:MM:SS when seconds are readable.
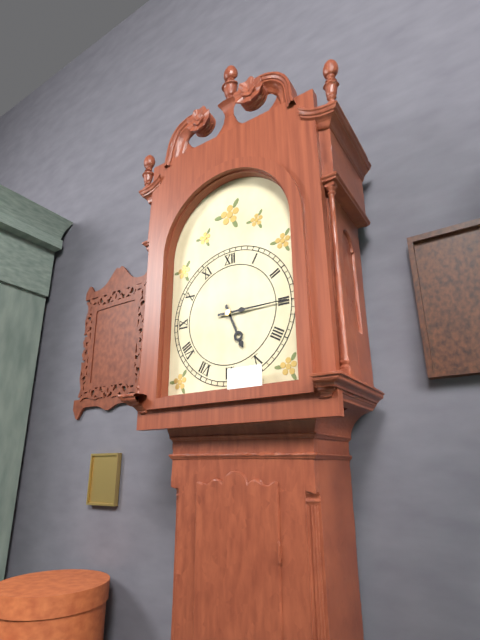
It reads **5:15**
